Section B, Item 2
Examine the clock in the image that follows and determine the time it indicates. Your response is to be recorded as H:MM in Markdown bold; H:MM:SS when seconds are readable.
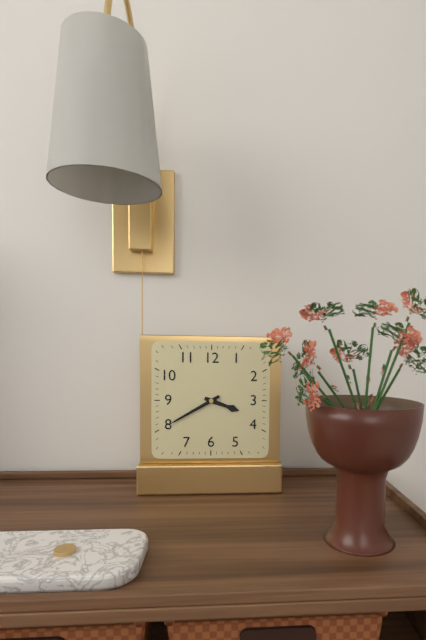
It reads **3:40**
